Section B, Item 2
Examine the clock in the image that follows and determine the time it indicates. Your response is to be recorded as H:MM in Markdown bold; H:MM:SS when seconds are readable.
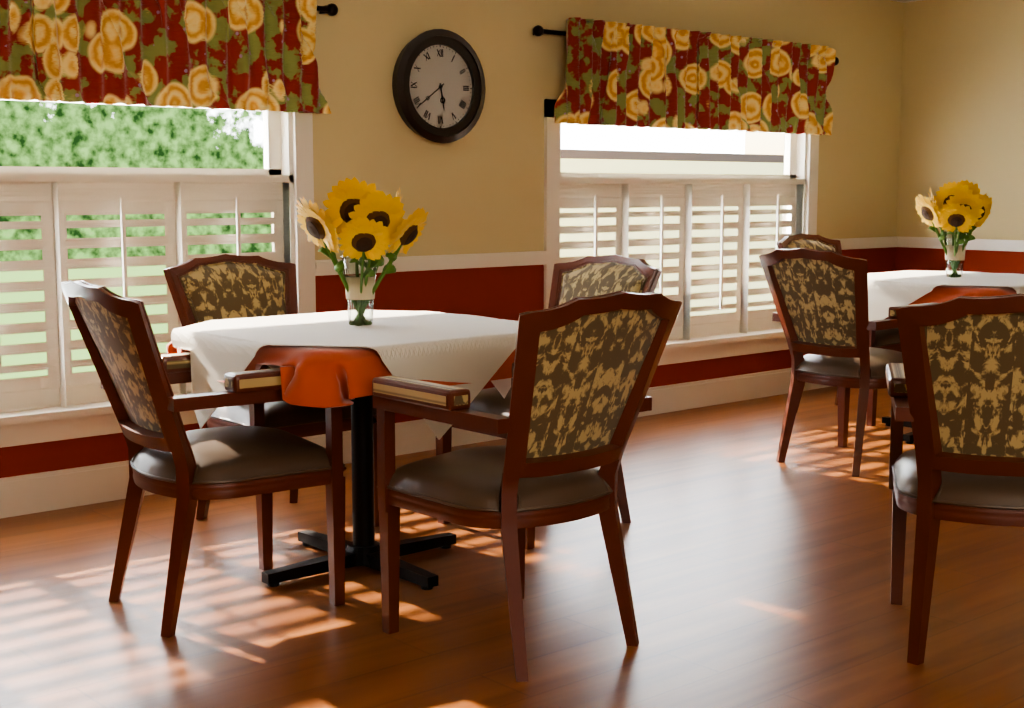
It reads **5:39**
